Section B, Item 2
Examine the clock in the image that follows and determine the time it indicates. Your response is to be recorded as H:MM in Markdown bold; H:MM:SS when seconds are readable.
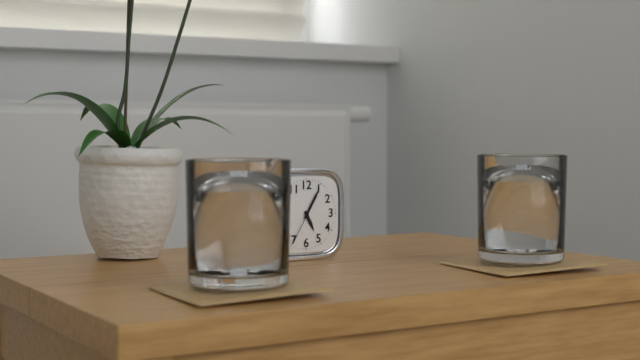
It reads **5:05**
